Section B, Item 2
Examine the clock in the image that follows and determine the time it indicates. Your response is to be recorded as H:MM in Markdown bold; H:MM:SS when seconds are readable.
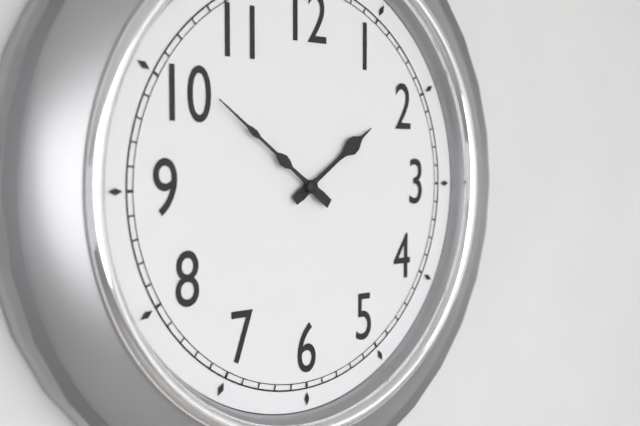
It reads **1:51**
